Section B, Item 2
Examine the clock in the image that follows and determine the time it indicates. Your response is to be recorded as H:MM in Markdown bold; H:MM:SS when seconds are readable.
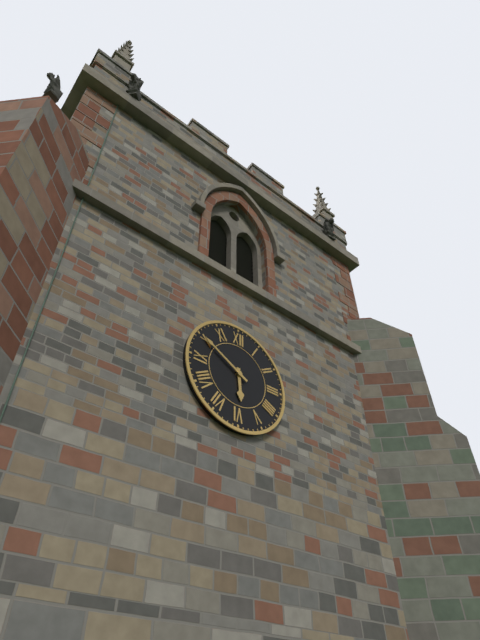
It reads **5:50**
